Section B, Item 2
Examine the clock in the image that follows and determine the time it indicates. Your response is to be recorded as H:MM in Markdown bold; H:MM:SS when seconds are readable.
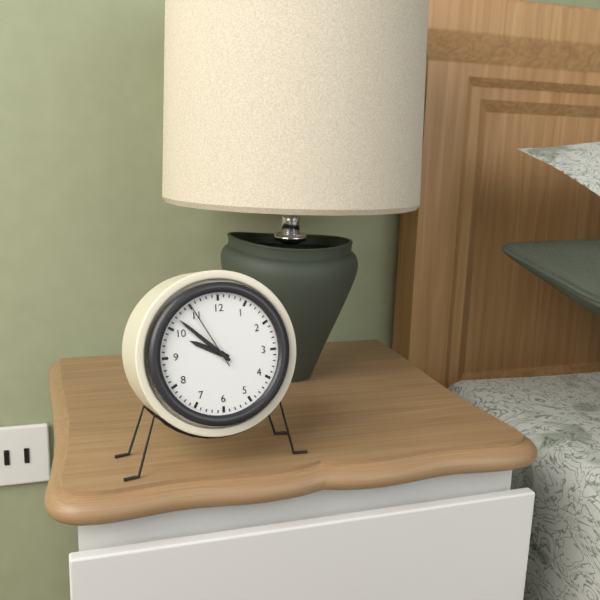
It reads **9:52:55**
